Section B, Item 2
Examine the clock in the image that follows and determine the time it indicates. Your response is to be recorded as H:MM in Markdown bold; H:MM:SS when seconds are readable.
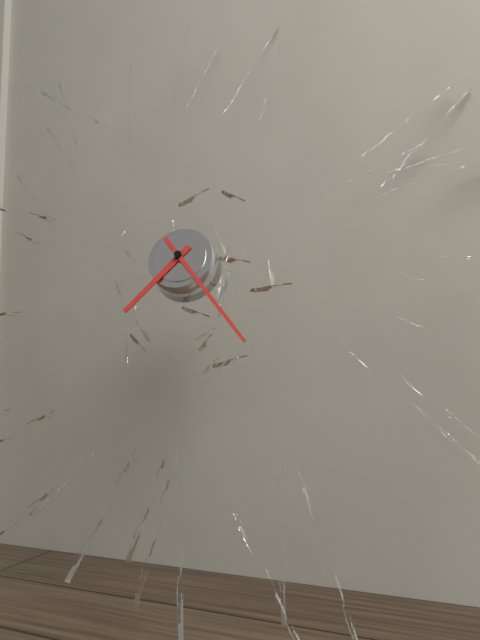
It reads **7:24**
